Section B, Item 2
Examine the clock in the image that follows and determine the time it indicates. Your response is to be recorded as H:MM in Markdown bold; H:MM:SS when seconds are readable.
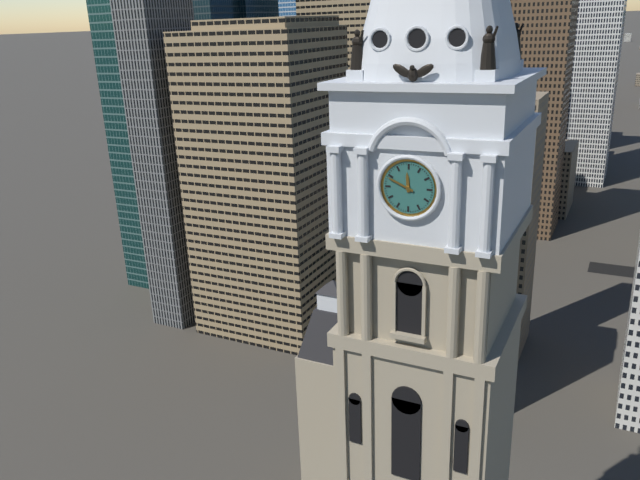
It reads **11:49**
